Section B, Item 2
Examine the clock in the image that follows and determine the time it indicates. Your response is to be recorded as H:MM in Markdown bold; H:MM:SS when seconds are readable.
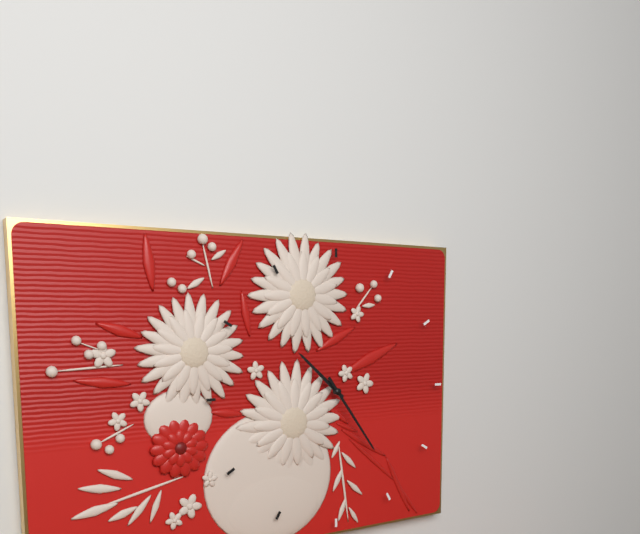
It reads **10:24**
